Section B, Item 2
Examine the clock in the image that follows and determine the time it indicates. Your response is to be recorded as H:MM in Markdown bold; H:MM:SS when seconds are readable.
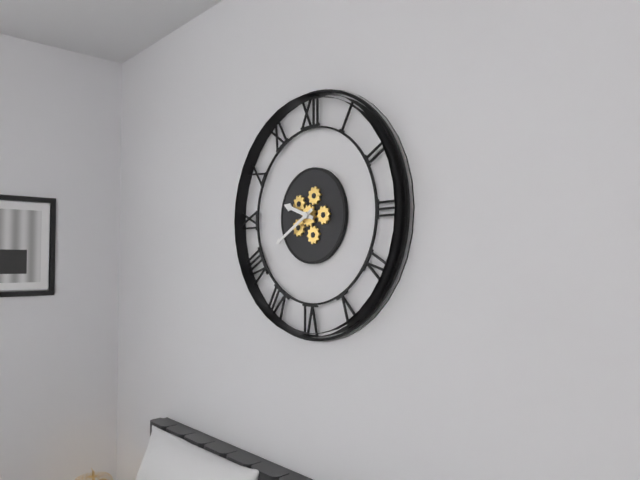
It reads **9:40**
